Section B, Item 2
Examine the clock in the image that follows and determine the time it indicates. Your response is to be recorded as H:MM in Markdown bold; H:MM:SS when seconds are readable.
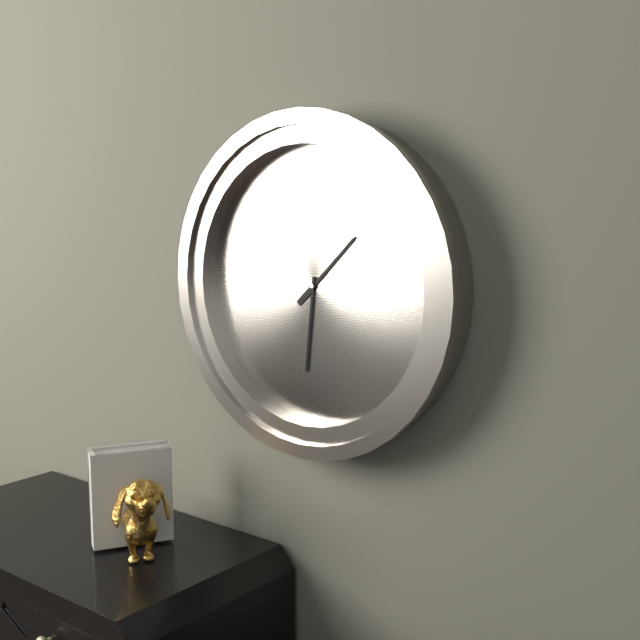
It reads **1:31**
